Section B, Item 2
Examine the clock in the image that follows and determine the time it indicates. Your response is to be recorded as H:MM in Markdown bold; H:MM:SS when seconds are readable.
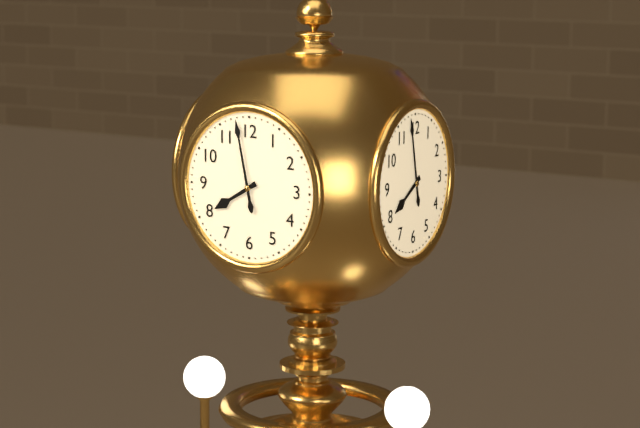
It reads **7:58**
